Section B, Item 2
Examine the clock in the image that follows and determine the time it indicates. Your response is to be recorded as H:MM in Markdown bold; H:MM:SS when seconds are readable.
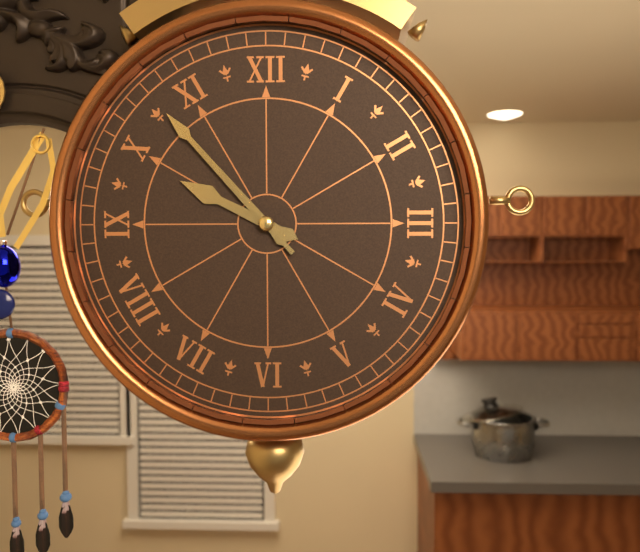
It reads **9:53:53**
